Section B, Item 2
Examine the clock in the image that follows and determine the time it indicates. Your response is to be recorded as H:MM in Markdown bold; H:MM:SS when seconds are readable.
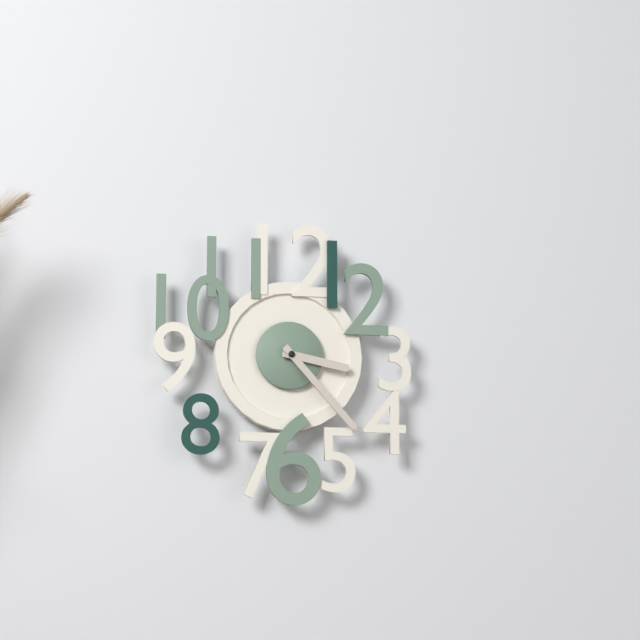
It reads **3:23**
